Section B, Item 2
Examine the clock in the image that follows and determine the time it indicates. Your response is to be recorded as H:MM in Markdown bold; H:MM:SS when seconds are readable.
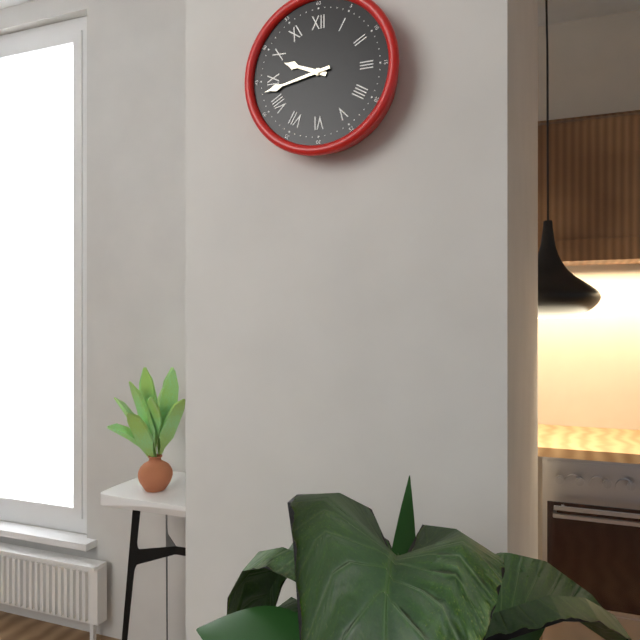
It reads **9:43**
